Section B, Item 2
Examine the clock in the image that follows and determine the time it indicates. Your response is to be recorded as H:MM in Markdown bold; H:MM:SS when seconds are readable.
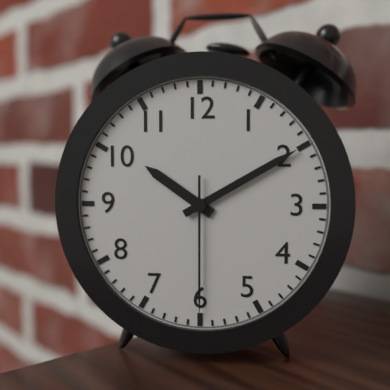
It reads **10:10:30**
